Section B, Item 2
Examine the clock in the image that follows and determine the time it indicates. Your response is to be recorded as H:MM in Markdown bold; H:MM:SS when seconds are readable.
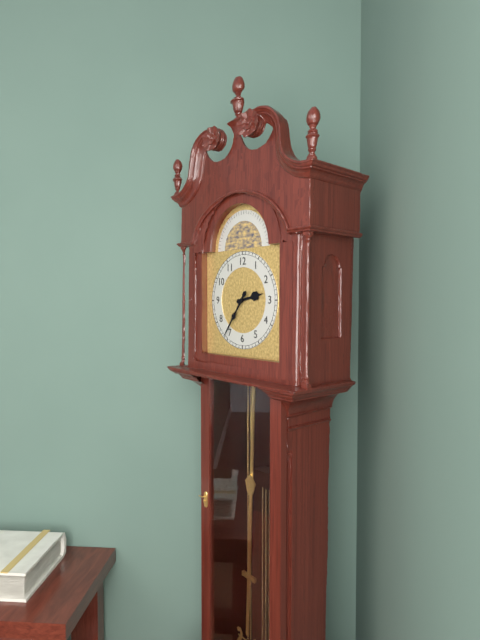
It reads **2:36**
